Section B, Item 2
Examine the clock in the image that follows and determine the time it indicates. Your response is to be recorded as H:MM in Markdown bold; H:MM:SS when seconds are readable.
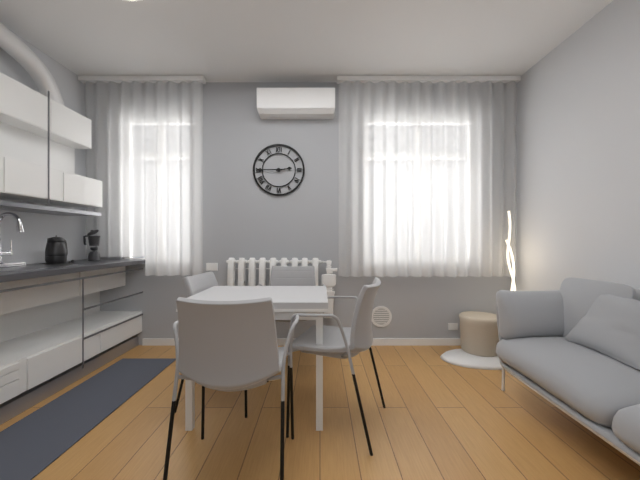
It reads **2:45**
